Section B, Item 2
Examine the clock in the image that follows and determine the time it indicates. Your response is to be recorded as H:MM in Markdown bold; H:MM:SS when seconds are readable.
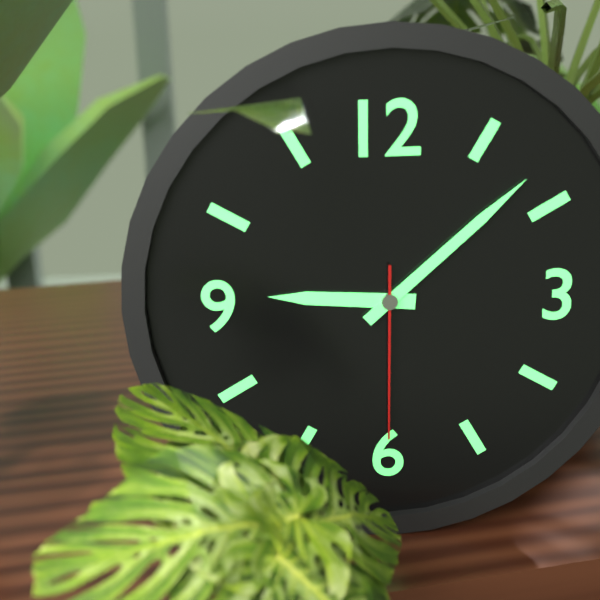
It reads **9:08:30**
